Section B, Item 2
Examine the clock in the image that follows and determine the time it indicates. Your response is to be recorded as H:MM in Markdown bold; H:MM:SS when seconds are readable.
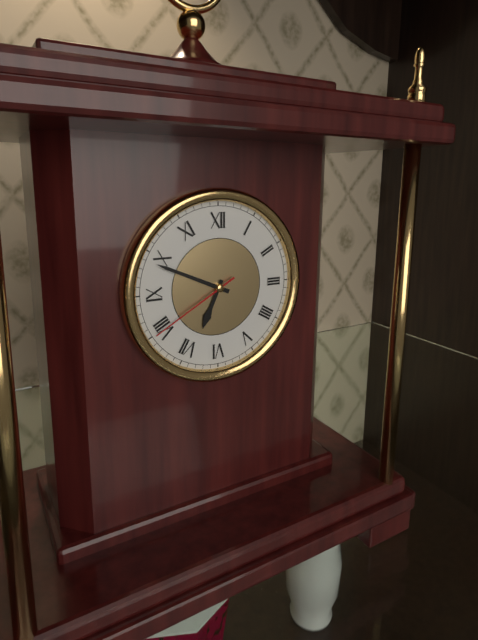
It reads **6:49:40**
